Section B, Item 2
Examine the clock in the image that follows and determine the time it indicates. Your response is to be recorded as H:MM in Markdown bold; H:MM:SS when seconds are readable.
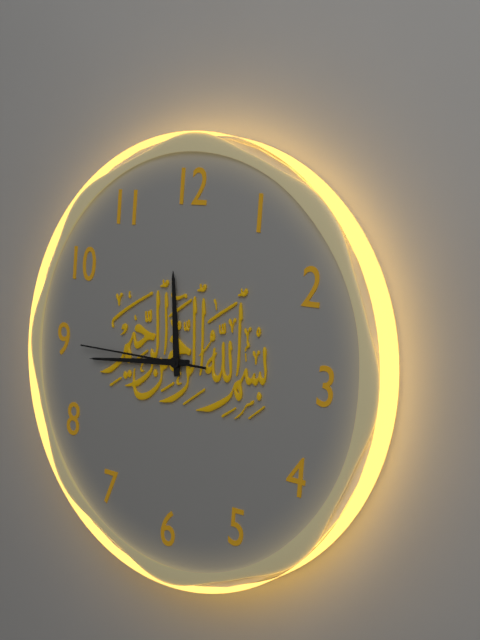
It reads **11:44:45**
